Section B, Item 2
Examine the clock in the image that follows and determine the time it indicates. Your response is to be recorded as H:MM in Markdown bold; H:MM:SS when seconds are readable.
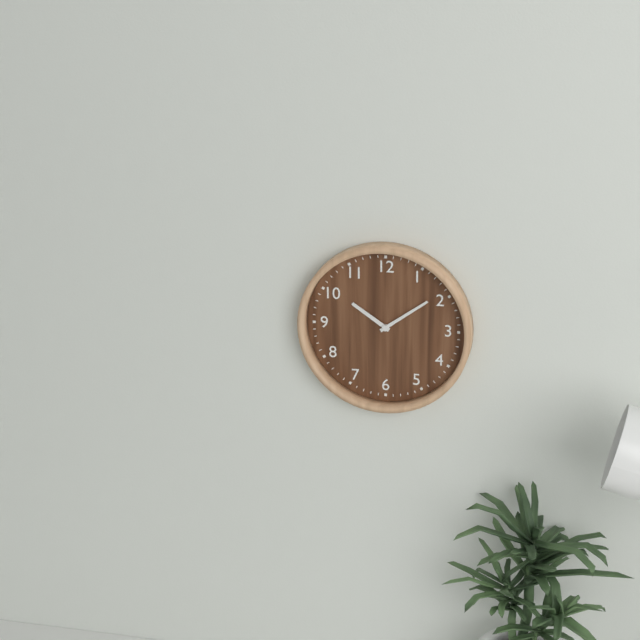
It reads **10:09**
